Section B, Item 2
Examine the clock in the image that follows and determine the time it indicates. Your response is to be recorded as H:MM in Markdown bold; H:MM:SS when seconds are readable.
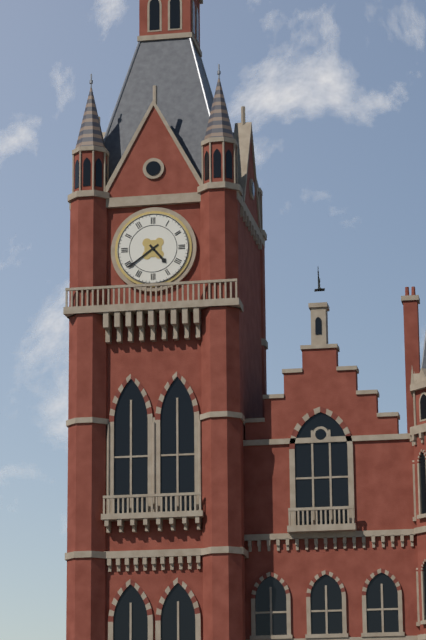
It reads **4:39**
